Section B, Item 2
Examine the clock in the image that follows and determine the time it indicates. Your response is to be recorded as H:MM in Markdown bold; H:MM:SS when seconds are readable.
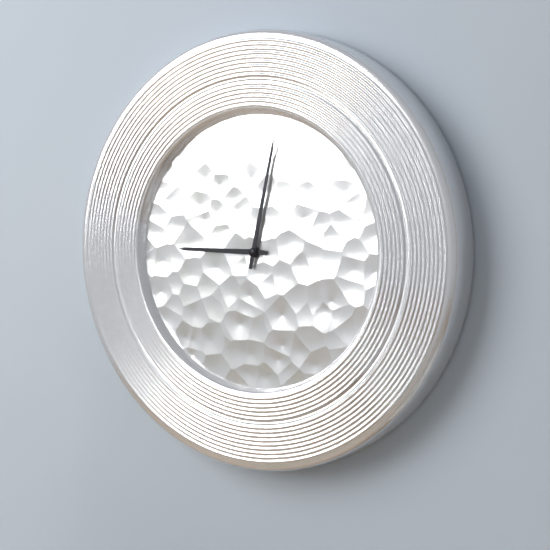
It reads **9:02**
